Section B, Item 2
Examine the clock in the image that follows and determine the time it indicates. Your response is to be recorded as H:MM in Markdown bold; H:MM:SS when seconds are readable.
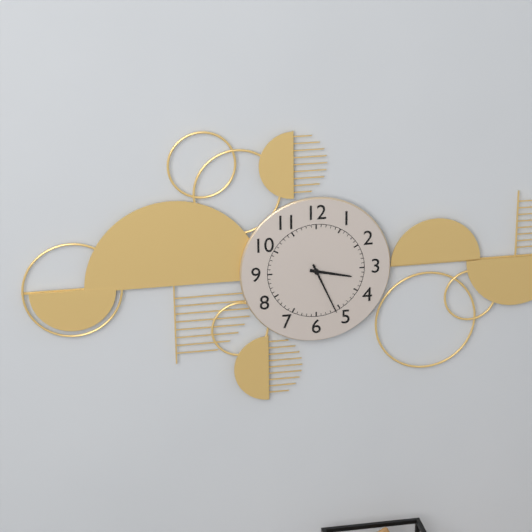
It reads **3:26**
